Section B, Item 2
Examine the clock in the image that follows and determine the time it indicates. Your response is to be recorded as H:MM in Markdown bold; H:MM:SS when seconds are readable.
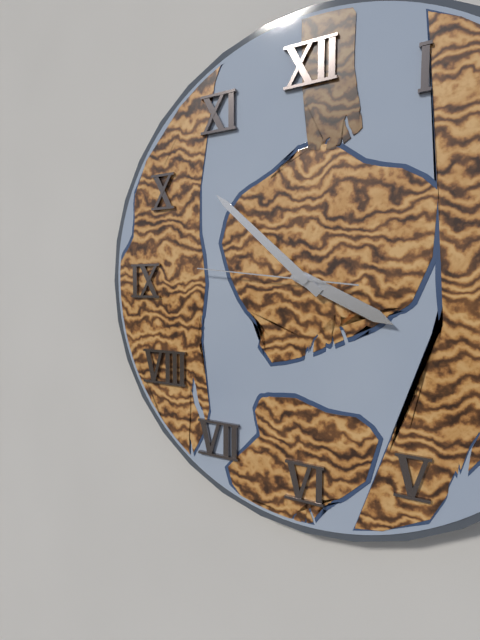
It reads **3:52:46**
